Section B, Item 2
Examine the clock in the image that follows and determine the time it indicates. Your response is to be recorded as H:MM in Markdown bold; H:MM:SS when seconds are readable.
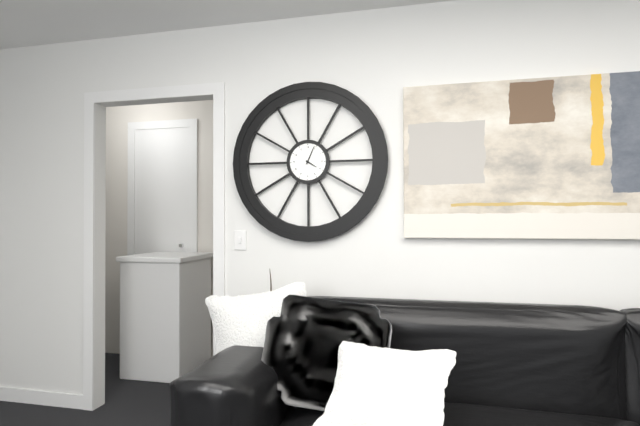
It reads **4:04**
